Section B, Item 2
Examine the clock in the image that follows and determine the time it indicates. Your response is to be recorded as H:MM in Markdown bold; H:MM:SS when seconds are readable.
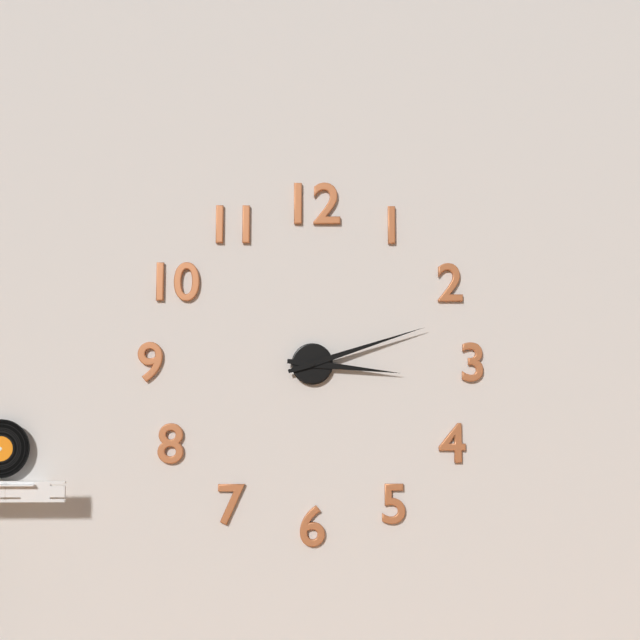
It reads **3:12**
